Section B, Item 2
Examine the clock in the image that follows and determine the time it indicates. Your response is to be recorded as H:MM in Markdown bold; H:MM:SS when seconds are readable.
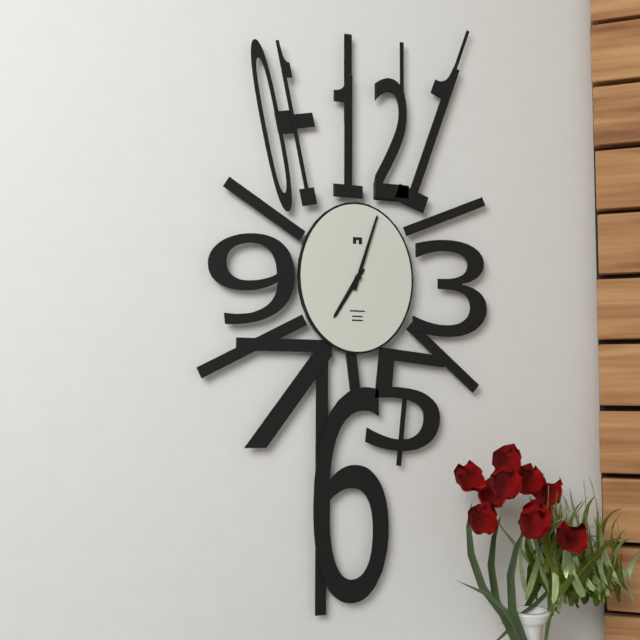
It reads **7:03**
